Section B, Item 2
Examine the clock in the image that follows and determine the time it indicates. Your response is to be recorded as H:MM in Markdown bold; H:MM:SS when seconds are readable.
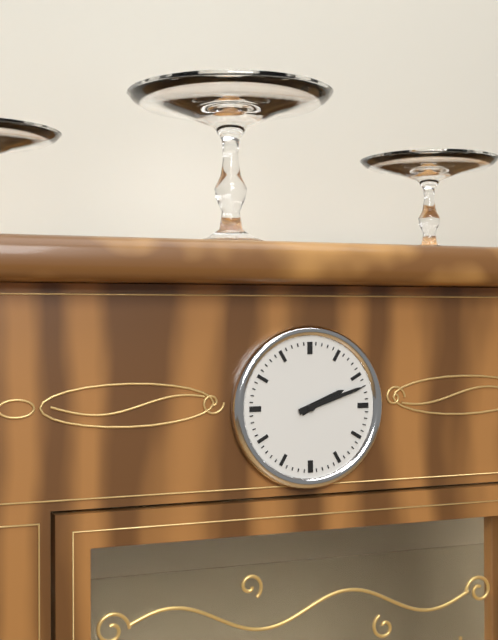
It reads **2:12**
